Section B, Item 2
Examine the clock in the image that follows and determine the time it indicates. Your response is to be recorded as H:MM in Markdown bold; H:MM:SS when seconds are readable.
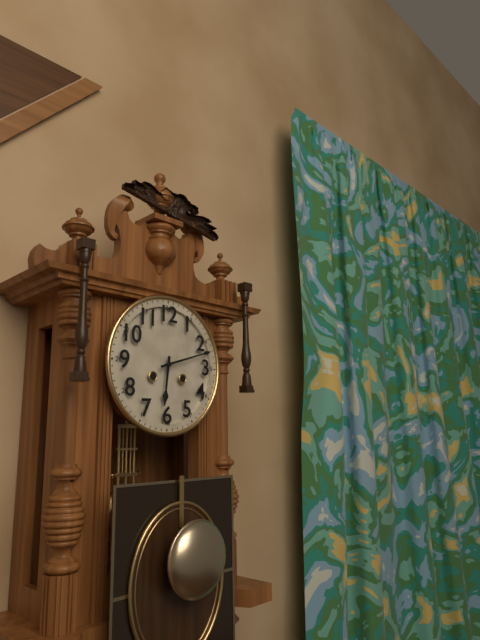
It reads **6:12**
